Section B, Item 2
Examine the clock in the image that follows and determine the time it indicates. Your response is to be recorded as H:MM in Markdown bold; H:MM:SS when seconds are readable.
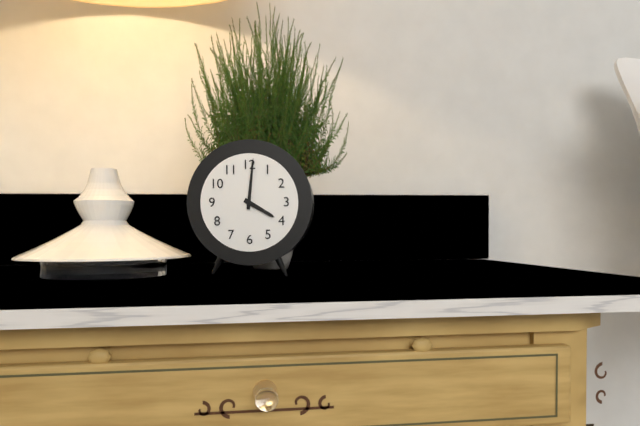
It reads **4:01**
